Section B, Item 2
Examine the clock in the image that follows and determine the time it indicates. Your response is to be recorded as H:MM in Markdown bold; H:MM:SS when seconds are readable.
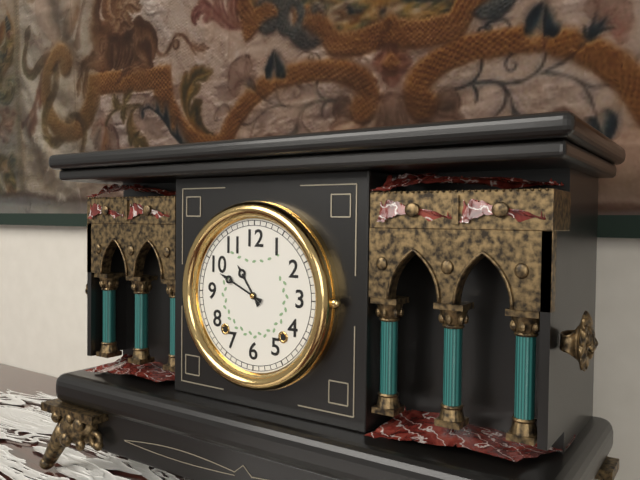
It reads **10:49**
